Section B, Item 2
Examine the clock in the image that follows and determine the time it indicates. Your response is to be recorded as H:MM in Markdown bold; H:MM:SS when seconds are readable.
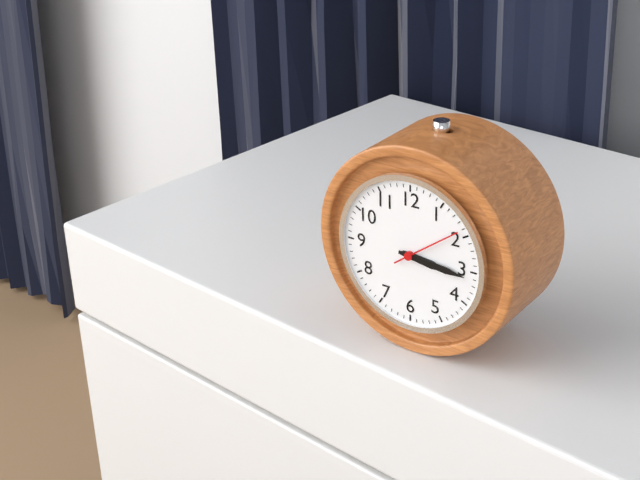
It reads **3:16:09**
